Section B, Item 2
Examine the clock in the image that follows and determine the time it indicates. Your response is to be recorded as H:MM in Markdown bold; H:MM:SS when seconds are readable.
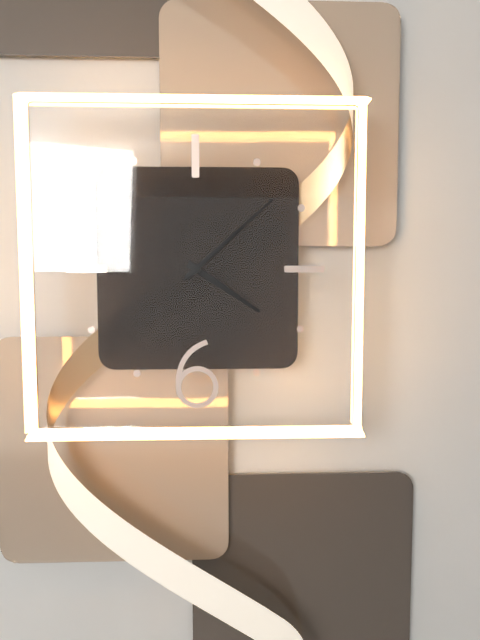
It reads **4:08:08**
